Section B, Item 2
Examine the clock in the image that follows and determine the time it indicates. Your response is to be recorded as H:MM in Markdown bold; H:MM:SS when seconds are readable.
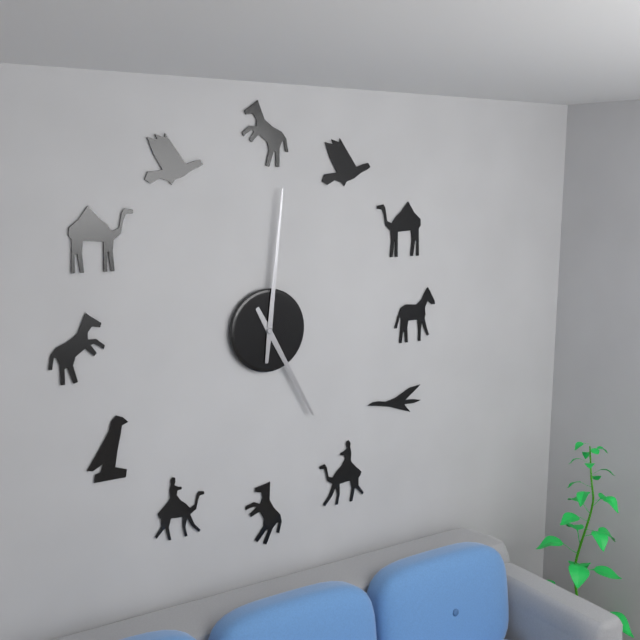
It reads **5:01**
